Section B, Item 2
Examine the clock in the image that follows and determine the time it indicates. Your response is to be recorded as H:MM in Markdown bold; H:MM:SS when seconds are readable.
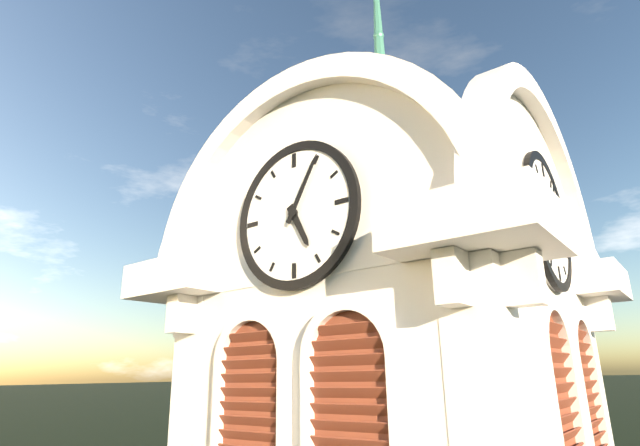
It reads **5:05**
